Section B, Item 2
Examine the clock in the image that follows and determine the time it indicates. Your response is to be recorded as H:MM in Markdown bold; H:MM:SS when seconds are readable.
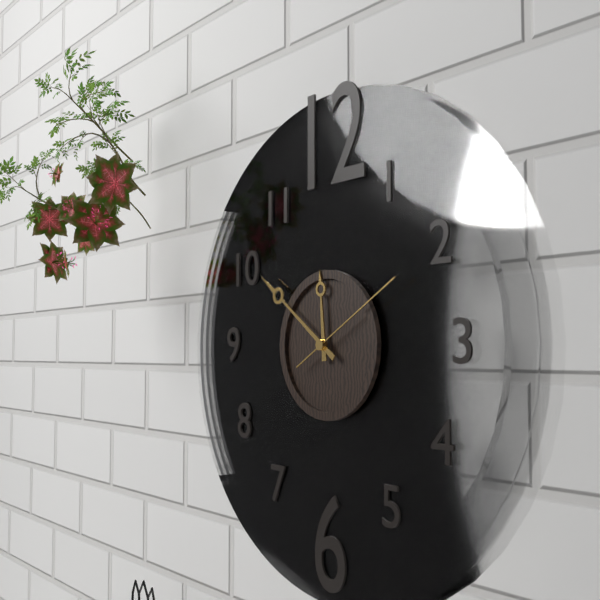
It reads **11:51:10**
